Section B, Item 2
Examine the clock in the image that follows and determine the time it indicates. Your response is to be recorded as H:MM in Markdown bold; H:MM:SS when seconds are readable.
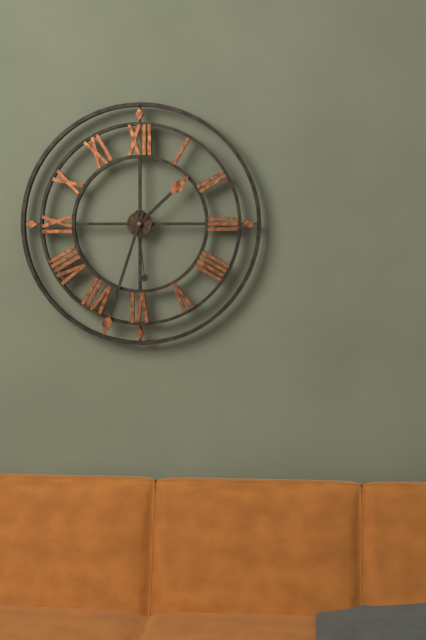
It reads **1:33:29**
